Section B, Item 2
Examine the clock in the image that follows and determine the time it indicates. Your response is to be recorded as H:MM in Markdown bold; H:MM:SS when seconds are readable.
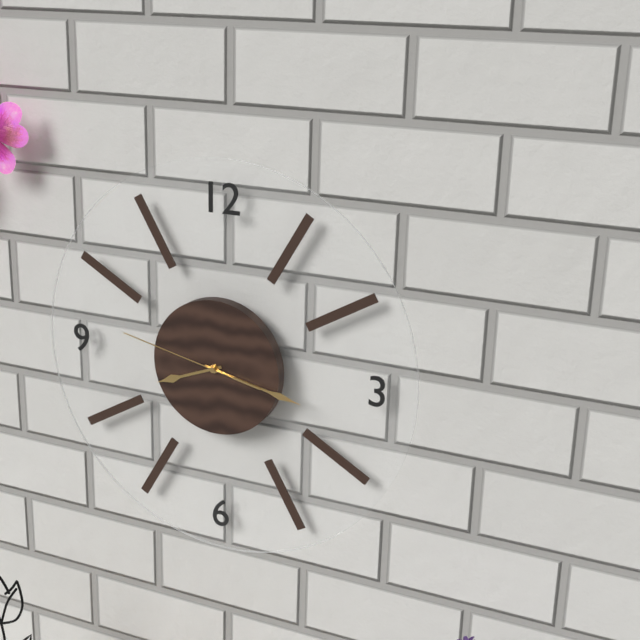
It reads **8:17:47**
